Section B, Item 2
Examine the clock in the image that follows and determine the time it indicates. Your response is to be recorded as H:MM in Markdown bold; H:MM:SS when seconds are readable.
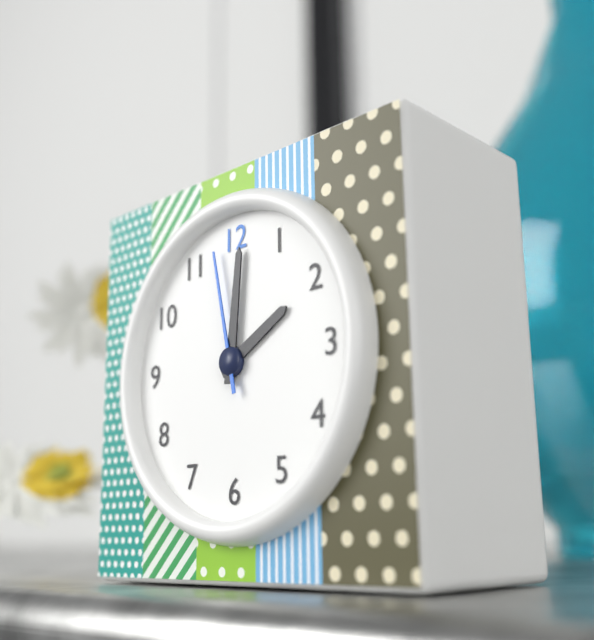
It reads **2:01:58**
